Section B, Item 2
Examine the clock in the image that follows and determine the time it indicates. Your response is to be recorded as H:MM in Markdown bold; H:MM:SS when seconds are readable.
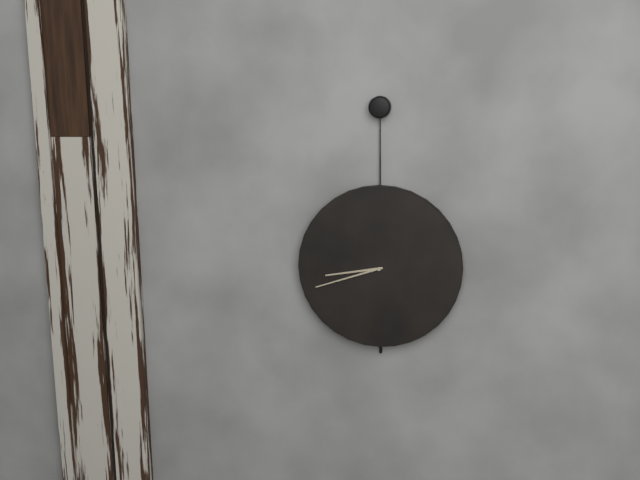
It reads **8:42**
